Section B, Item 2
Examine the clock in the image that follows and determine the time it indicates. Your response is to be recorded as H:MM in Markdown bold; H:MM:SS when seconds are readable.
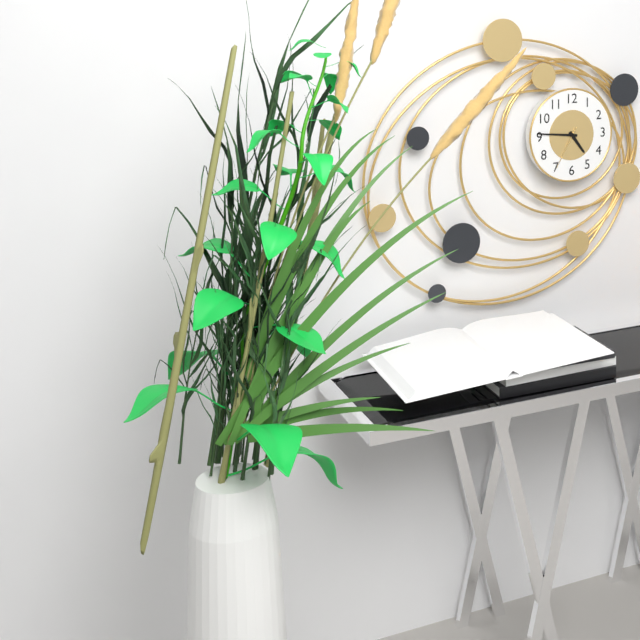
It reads **4:46**
